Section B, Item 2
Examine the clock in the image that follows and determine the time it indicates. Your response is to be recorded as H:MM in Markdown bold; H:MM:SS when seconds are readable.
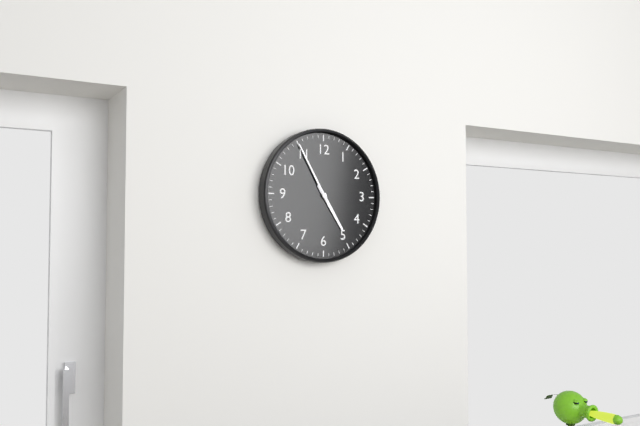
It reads **4:55**
